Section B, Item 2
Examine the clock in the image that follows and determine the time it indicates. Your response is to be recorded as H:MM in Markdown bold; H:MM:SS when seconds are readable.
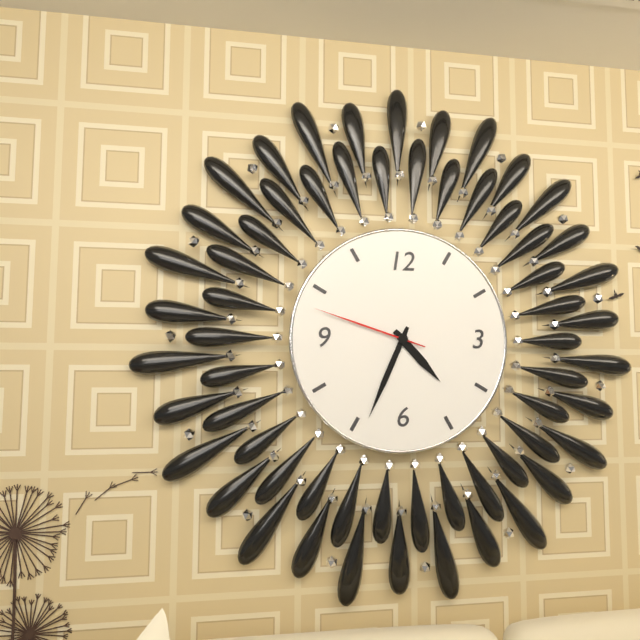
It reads **4:34:48**
